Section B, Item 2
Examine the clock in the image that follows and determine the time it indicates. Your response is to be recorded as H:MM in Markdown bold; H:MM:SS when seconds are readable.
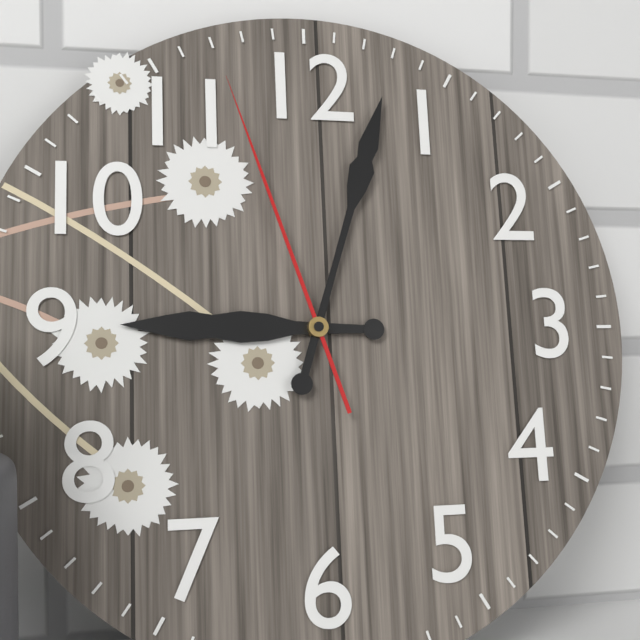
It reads **9:03:57**
